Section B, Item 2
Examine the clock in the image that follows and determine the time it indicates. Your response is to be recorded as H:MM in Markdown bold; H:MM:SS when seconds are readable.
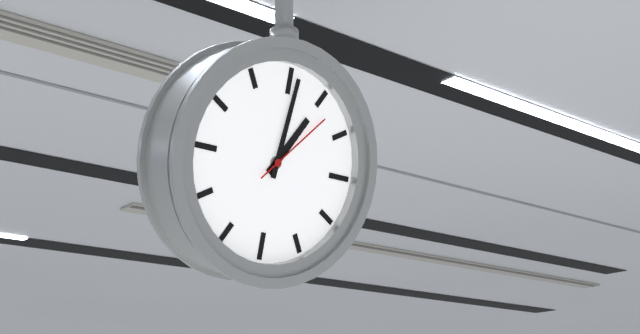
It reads **1:01:07**
